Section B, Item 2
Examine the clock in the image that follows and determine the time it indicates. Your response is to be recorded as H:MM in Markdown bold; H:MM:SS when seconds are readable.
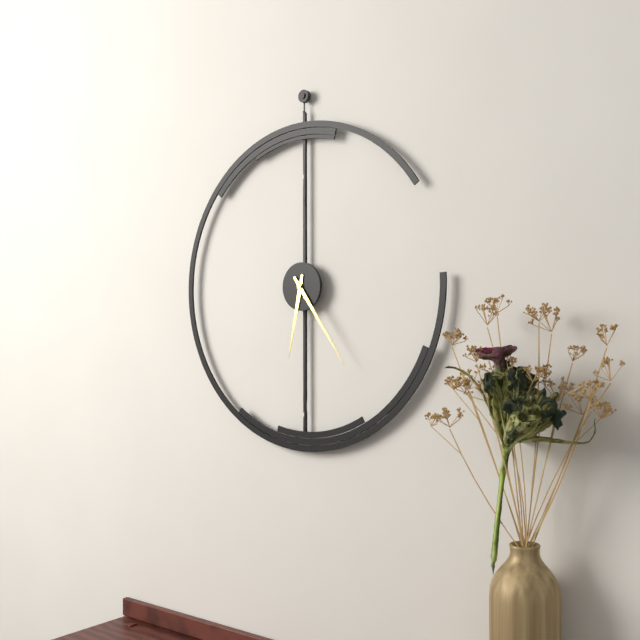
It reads **6:24**
